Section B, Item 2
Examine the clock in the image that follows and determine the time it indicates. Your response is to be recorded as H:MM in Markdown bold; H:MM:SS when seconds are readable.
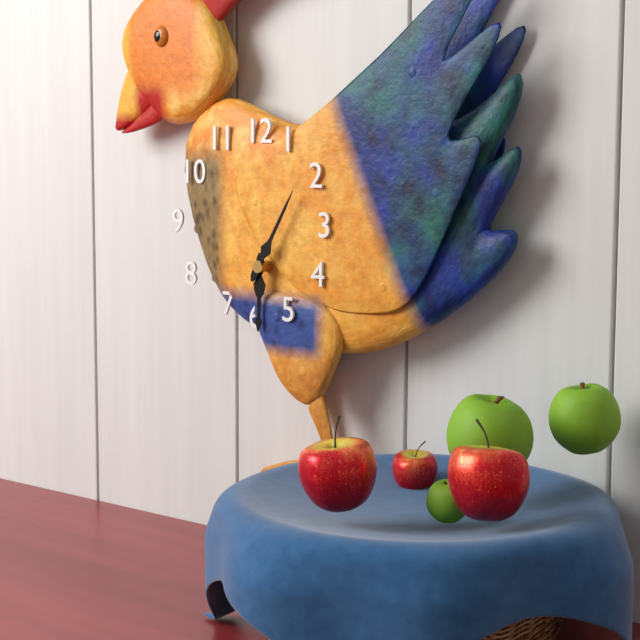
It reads **6:05**
